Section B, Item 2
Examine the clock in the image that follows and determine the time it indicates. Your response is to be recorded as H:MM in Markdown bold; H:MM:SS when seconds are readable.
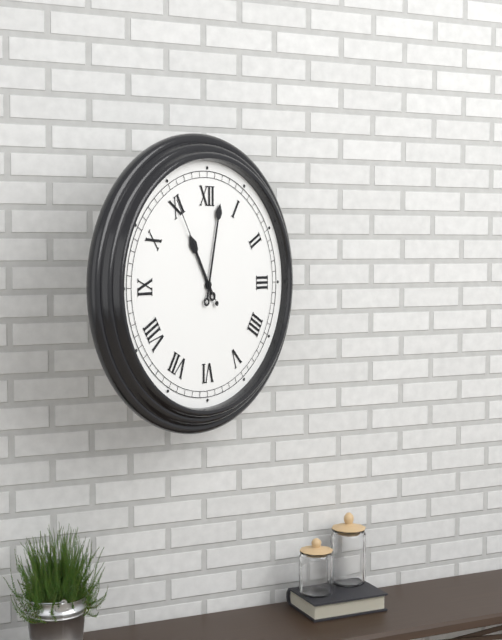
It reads **11:02:55**
